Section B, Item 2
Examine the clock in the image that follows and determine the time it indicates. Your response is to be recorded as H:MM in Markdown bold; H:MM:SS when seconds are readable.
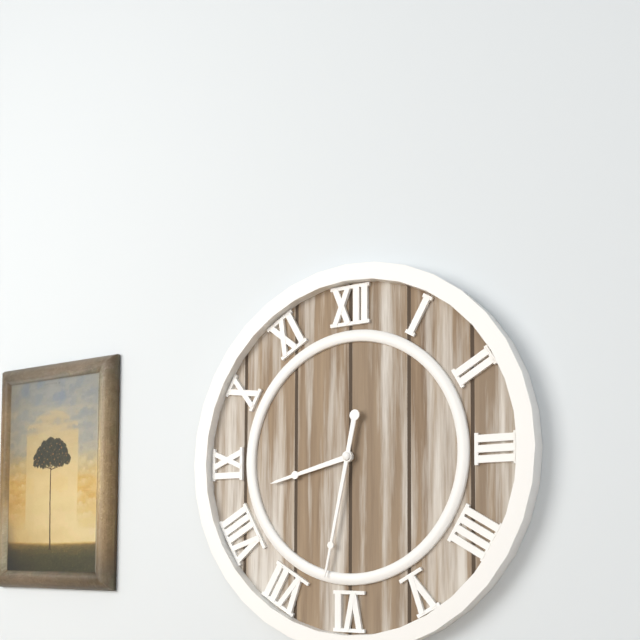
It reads **8:32**
